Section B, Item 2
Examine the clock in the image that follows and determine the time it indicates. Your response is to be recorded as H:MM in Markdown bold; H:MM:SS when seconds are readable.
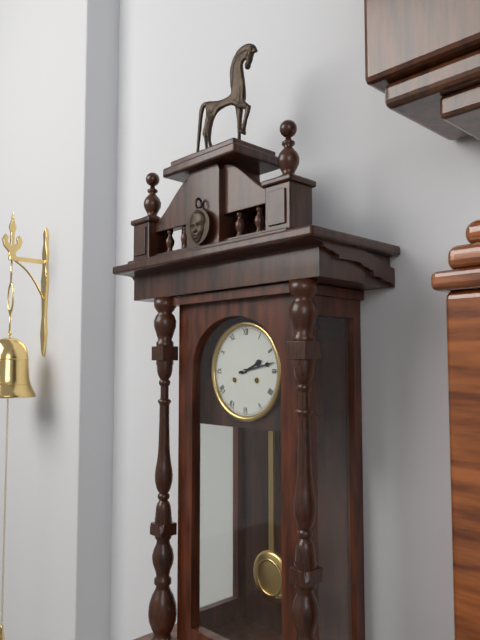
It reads **2:13**
